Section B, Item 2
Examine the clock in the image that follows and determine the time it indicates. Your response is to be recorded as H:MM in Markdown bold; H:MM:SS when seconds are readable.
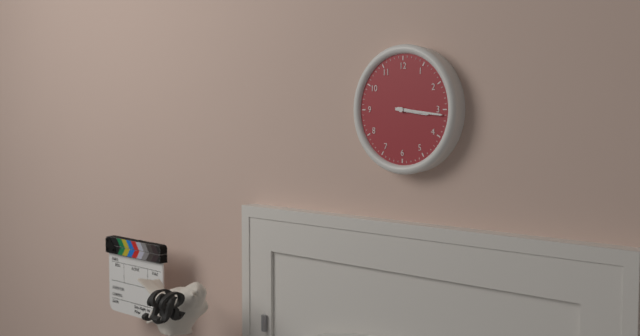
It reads **3:16**
